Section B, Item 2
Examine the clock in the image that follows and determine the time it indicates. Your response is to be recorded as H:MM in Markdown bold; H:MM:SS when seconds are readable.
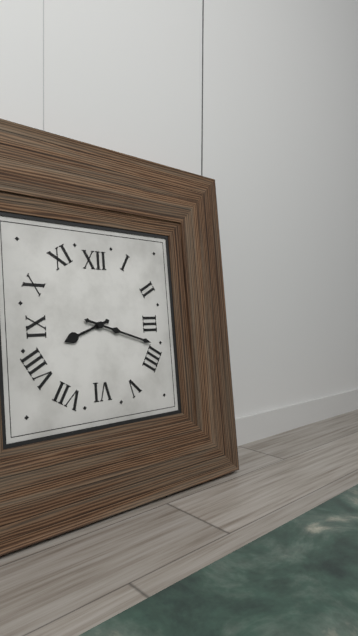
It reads **8:18**
